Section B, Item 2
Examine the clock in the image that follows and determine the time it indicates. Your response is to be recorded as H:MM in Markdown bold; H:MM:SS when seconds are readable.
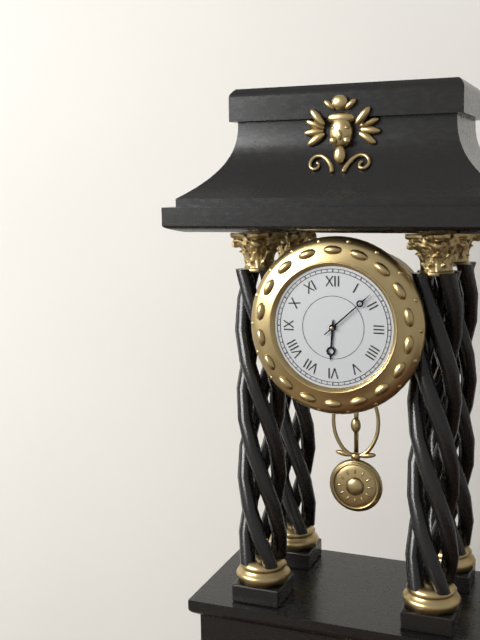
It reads **6:08**
